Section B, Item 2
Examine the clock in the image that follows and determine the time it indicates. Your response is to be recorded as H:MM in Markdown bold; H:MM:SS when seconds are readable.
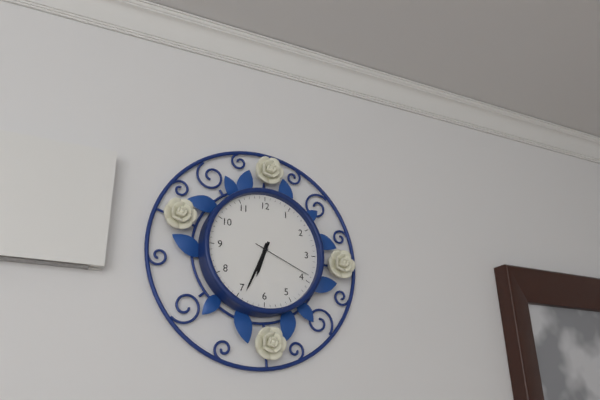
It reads **6:34:19**
